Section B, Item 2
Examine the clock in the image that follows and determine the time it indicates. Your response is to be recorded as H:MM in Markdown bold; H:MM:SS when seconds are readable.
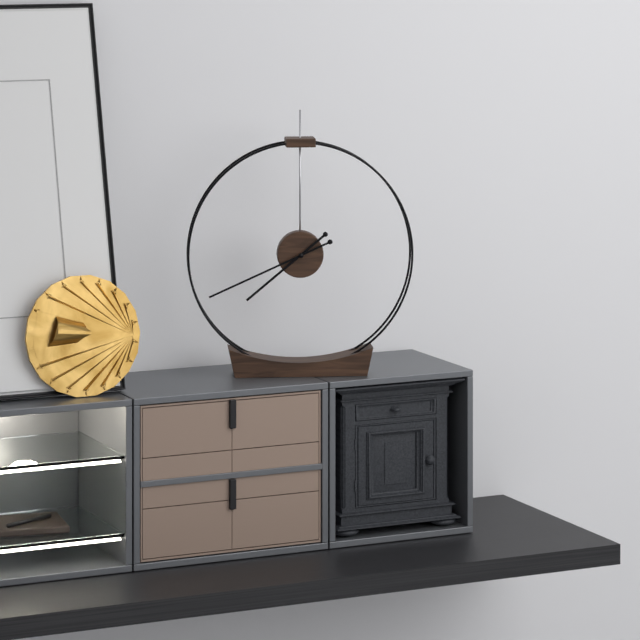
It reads **7:41**
